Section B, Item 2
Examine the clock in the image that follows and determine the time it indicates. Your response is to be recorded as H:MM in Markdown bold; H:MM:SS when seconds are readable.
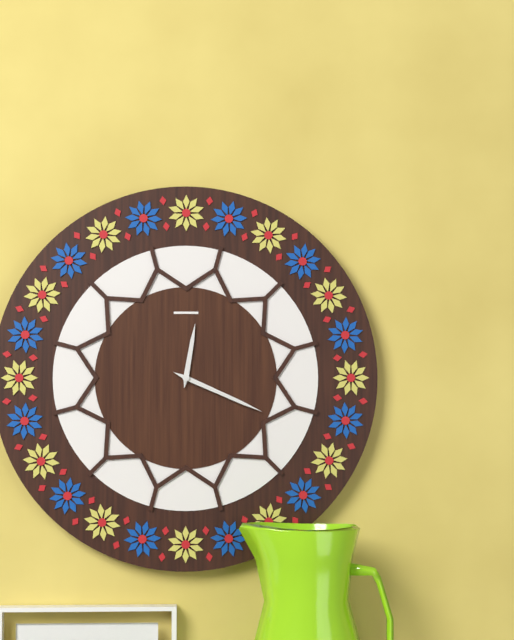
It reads **12:19**
